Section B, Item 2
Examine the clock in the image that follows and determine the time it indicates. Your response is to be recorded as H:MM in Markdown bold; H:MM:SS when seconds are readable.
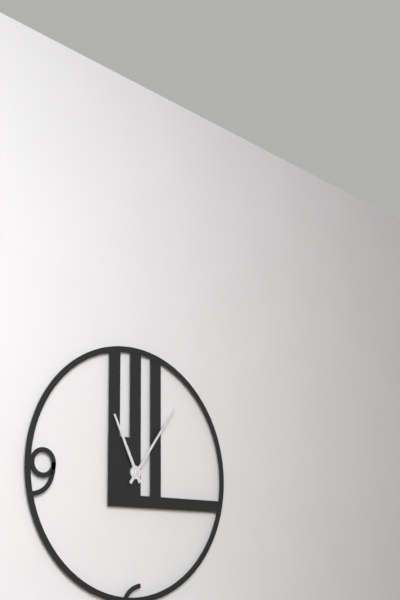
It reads **11:06**
